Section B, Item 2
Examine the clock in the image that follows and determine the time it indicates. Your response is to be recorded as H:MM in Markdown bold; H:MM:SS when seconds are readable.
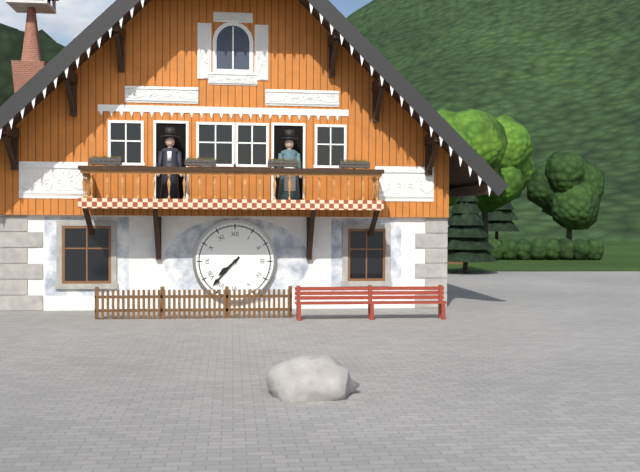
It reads **7:37**
